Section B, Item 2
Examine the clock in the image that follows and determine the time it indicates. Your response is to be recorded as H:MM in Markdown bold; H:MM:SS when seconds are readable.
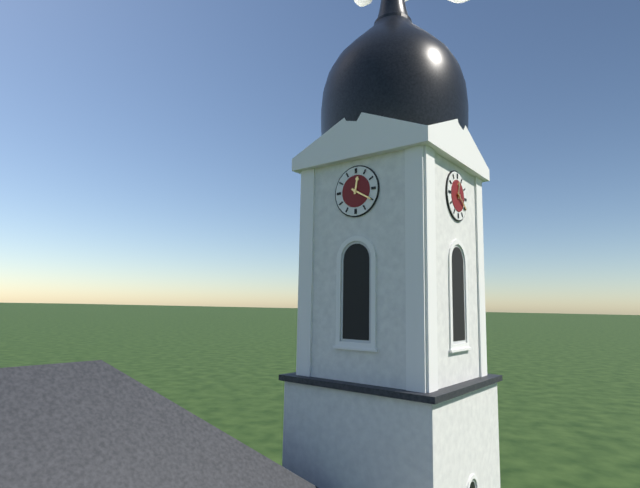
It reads **12:20**
